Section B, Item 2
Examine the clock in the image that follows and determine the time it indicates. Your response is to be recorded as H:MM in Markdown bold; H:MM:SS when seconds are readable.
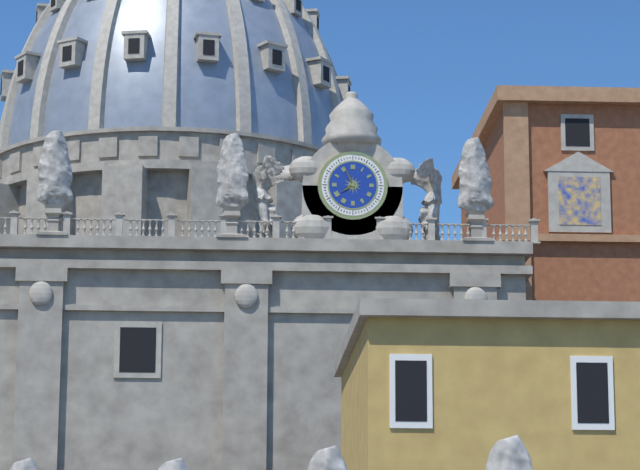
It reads **7:56**
